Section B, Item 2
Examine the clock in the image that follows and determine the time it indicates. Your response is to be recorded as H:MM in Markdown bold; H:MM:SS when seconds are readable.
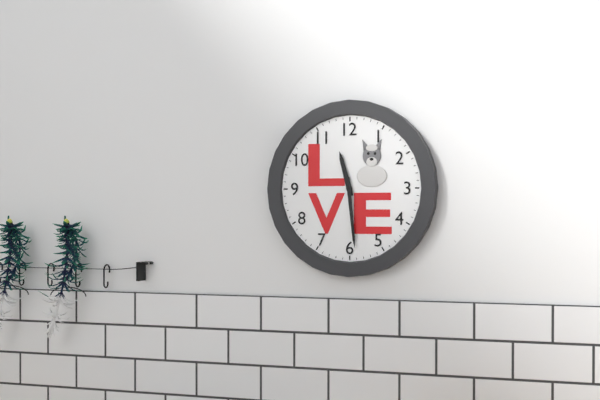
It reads **11:29**
